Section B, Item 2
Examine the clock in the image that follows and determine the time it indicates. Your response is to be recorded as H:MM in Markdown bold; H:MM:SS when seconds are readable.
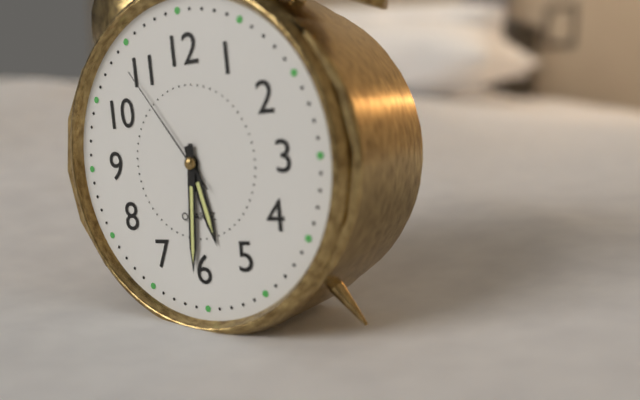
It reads **5:31:54**
